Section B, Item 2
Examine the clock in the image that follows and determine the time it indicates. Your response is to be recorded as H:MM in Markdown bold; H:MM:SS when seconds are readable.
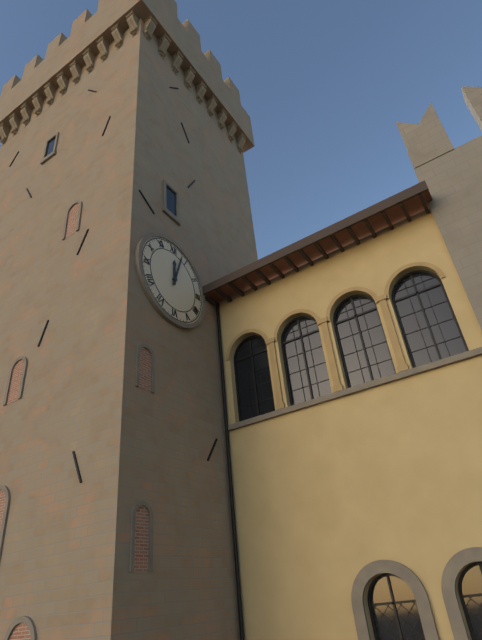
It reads **12:03**
